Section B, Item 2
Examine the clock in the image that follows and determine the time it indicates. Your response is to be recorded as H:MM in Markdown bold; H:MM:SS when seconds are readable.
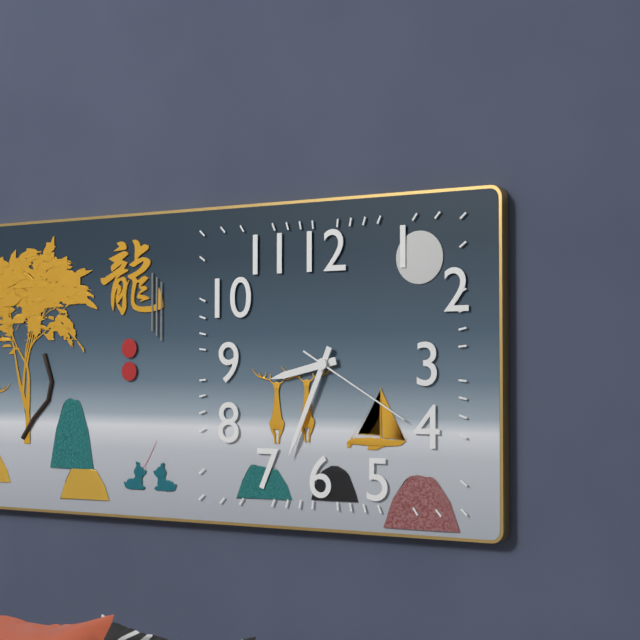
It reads **8:34:20**
